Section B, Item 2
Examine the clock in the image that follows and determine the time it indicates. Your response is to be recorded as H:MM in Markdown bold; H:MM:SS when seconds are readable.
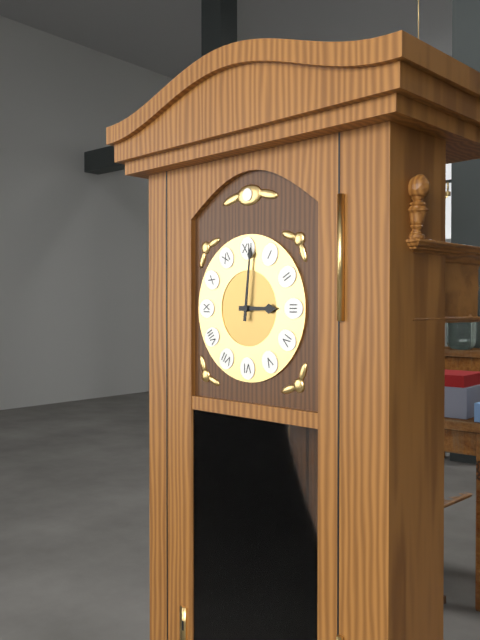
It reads **3:01**
